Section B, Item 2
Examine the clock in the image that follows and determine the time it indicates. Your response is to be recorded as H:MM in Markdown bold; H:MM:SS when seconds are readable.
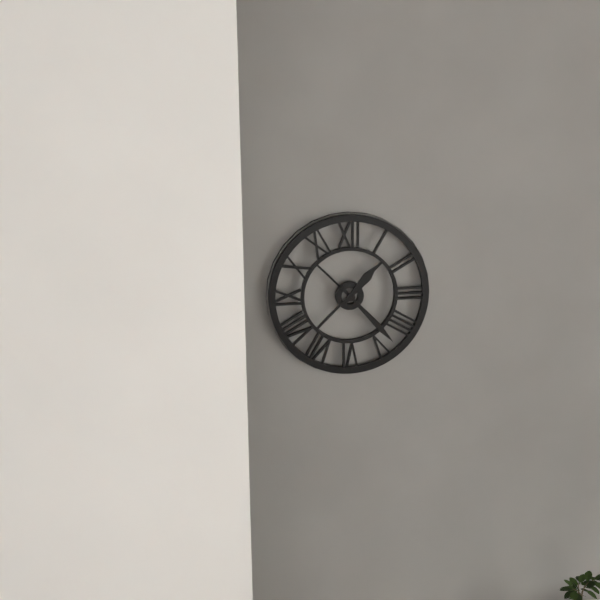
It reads **1:23**
